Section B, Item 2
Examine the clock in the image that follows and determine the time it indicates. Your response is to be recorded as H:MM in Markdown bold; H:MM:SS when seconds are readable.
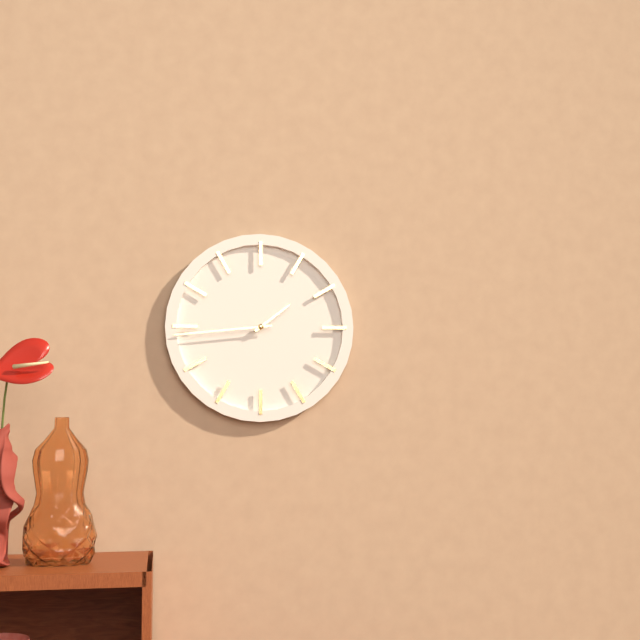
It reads **1:44**
